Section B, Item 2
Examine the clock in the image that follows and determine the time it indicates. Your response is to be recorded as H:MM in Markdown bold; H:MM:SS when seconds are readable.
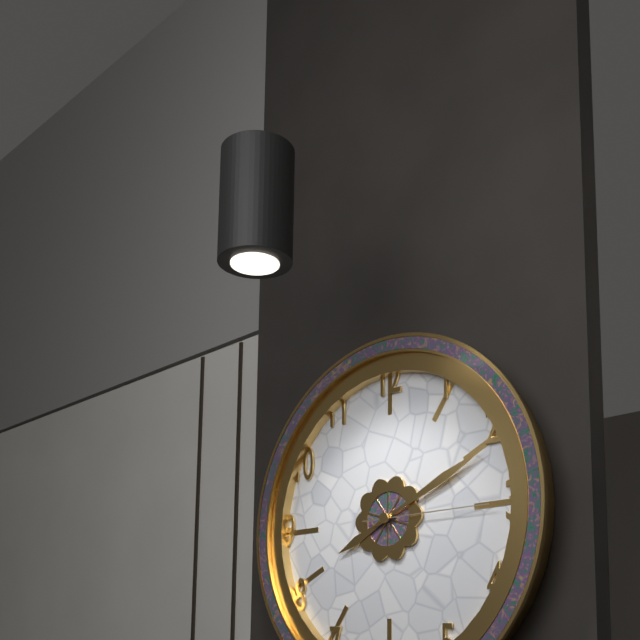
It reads **8:11:15**
